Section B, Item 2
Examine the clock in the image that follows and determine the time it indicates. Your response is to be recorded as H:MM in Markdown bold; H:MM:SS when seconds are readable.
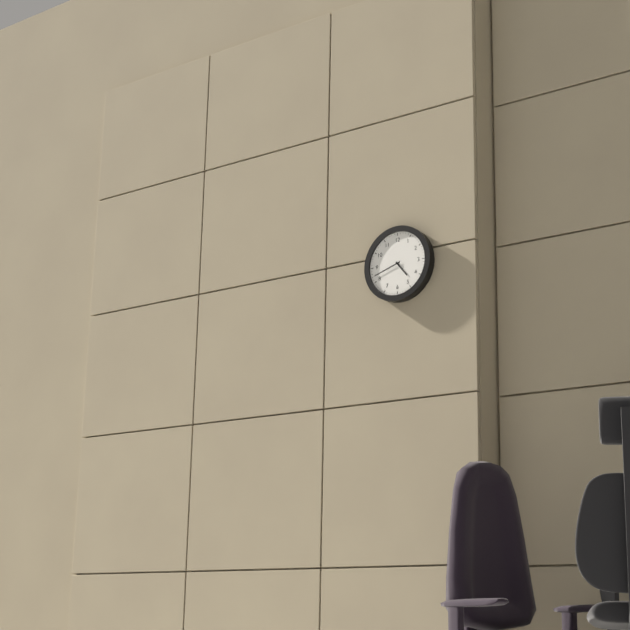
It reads **4:42**
